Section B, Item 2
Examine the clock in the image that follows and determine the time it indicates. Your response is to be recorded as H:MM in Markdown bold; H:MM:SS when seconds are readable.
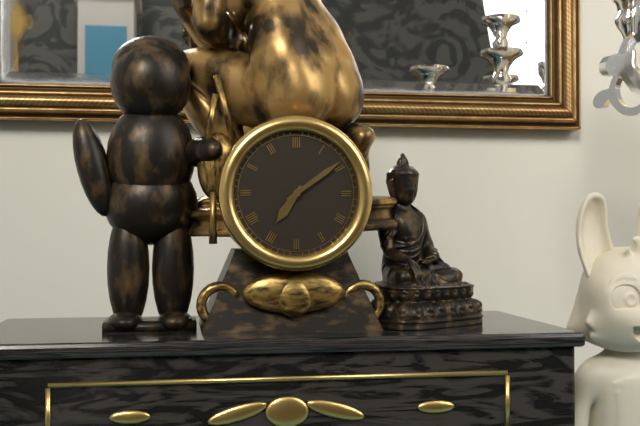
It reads **7:09**
